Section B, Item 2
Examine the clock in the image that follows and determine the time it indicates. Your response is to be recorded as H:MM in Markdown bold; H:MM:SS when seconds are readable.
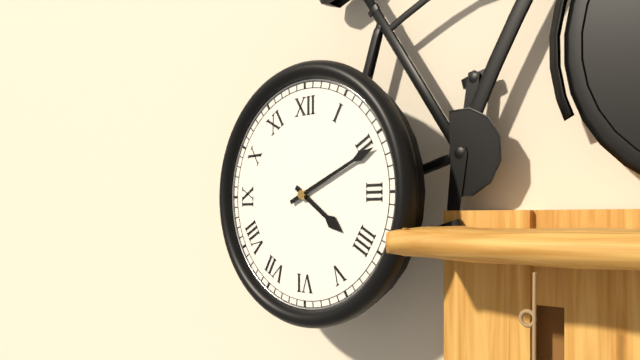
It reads **4:11**
